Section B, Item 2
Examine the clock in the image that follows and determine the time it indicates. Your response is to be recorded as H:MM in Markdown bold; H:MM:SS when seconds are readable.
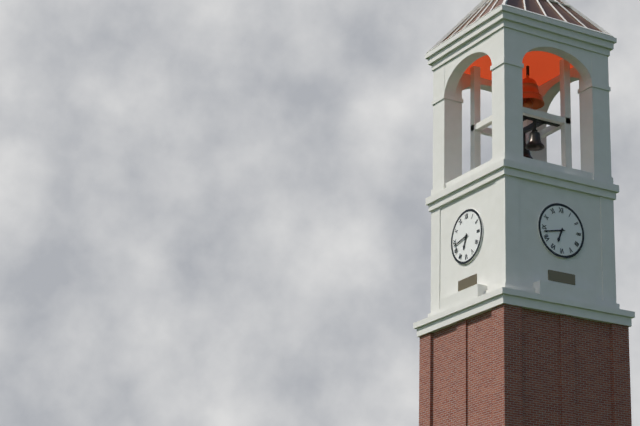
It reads **6:43**
